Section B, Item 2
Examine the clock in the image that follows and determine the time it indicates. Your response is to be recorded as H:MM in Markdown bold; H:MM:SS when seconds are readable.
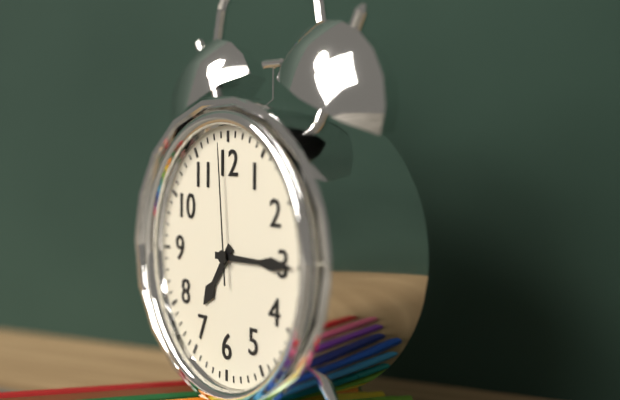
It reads **7:15:59**
